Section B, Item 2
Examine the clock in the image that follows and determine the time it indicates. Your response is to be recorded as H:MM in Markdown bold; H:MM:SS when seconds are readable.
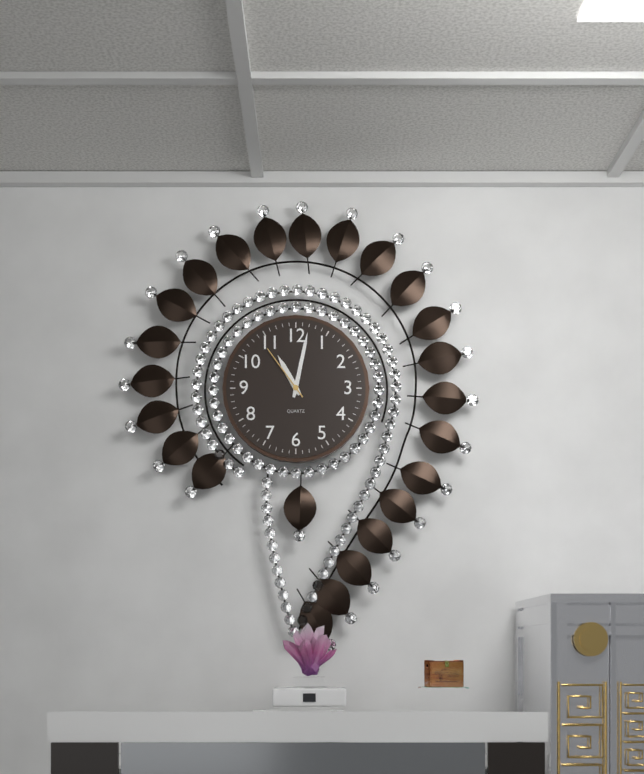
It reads **11:02:54**
